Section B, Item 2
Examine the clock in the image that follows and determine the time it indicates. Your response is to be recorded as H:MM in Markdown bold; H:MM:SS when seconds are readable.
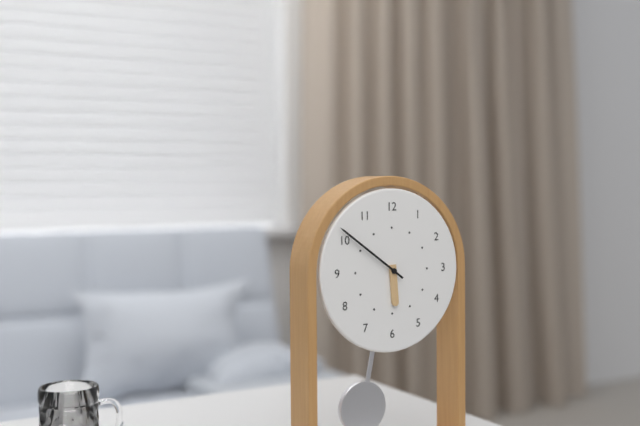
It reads **5:51**
